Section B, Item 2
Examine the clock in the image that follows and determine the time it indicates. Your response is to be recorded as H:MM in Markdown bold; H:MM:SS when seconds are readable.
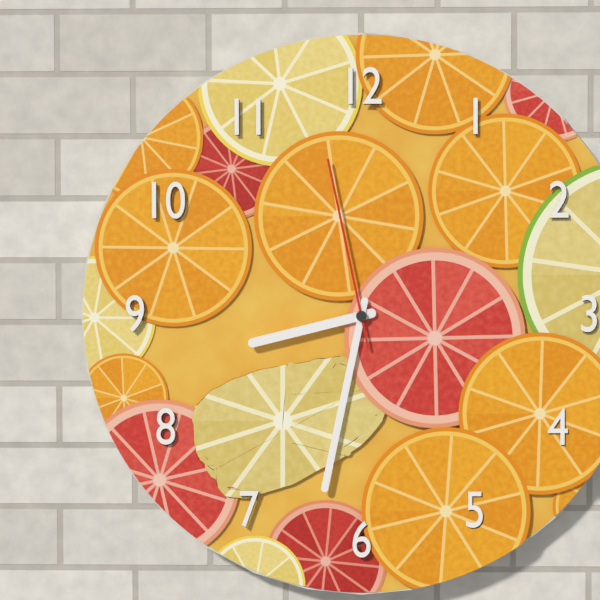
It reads **8:32:58**
